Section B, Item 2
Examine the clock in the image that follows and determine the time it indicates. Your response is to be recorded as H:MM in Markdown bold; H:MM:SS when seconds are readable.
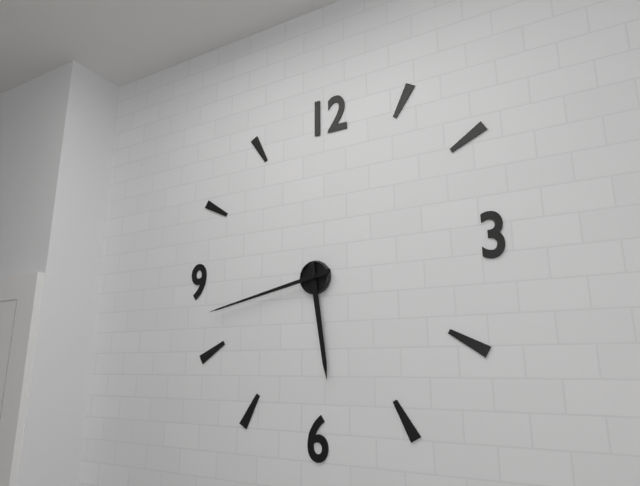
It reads **5:43**
